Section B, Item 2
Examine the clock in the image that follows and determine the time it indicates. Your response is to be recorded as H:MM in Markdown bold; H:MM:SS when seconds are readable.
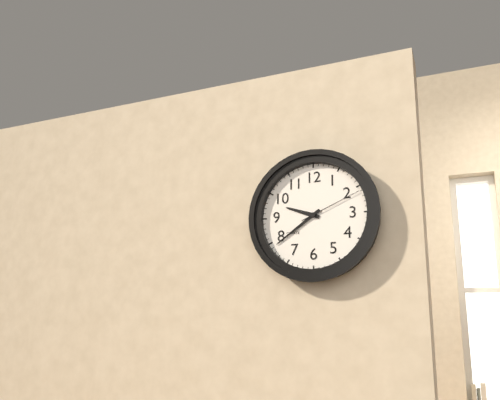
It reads **9:39:11**
